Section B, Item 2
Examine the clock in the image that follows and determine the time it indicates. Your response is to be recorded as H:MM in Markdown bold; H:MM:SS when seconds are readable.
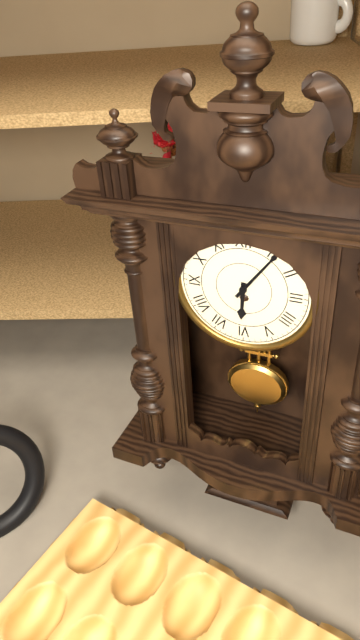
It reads **6:06**
